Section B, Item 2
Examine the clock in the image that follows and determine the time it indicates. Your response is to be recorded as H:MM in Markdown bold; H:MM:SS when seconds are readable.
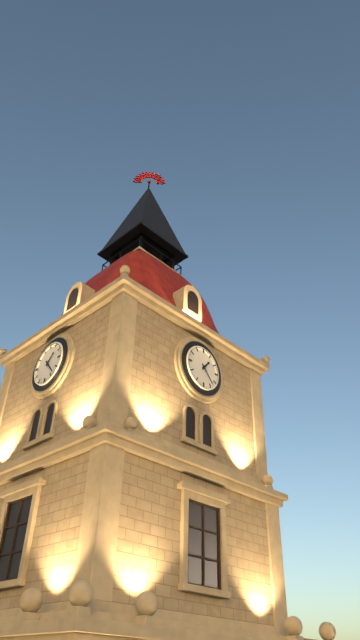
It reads **1:23**
